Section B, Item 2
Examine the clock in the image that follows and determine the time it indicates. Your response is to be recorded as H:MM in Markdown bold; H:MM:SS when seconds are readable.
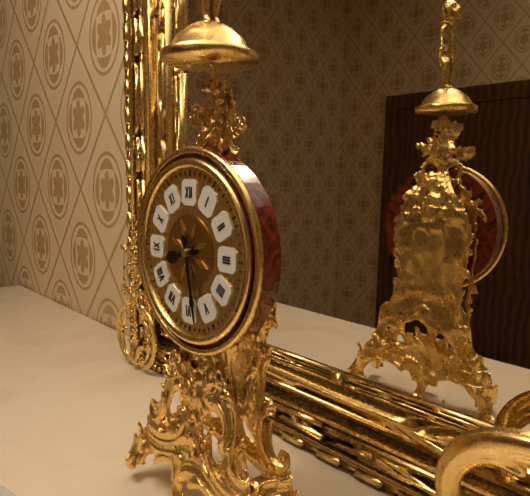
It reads **8:28**
